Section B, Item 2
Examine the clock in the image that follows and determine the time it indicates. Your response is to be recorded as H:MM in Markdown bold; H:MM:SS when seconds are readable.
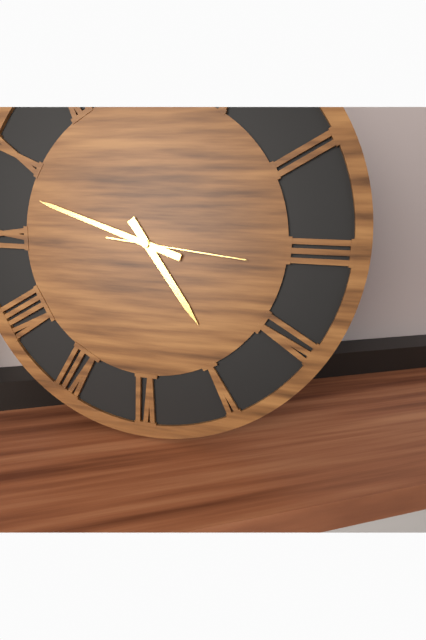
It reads **4:48:16**
